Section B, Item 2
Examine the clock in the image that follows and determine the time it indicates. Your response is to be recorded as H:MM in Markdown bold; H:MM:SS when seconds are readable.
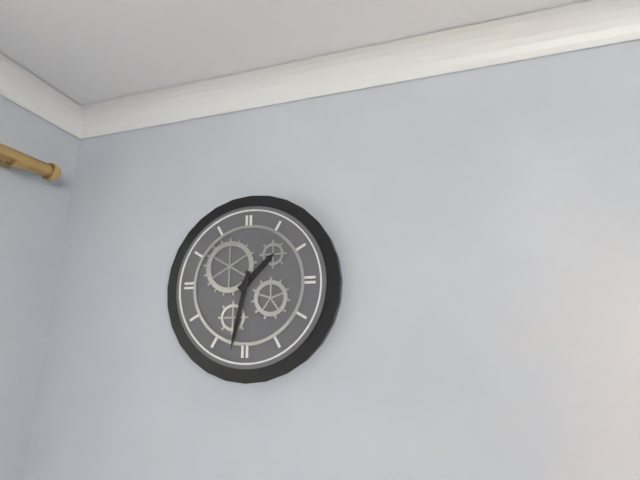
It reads **1:32**
